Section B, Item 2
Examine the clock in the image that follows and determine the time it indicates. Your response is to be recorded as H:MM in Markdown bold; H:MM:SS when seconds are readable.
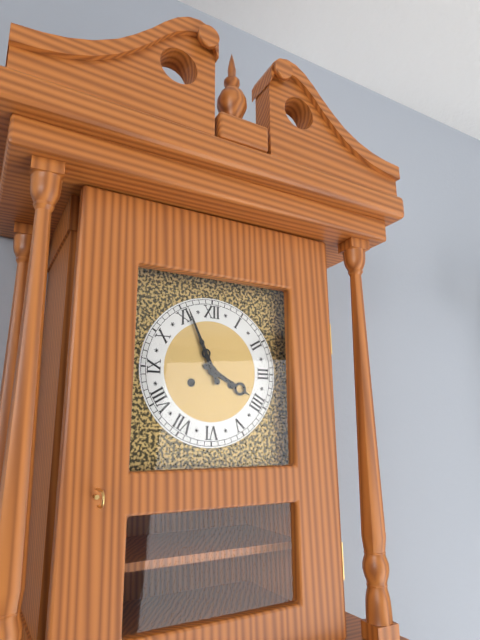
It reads **3:56**
